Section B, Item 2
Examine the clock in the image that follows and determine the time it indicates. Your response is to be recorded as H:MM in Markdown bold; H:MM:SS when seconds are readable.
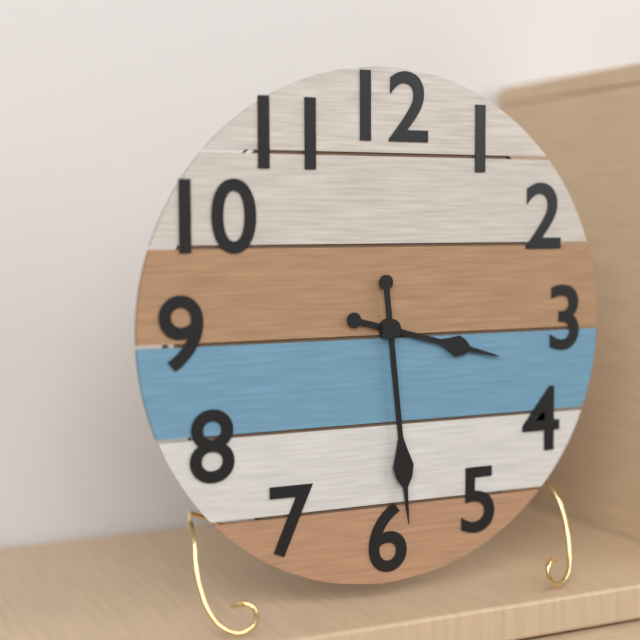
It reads **3:29**
